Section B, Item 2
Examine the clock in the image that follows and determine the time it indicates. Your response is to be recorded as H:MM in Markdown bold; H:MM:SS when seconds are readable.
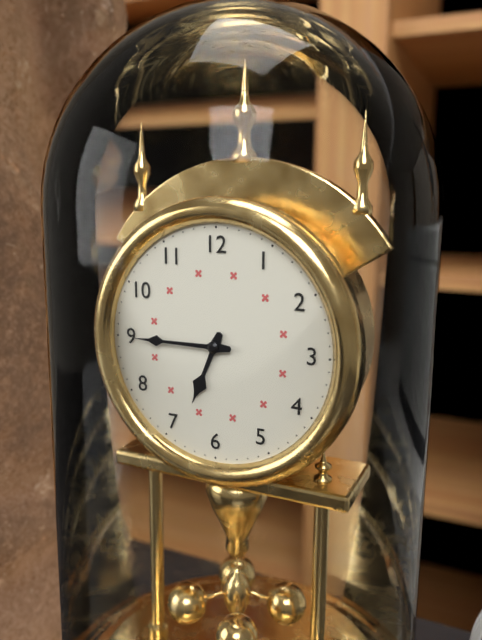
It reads **6:45**
